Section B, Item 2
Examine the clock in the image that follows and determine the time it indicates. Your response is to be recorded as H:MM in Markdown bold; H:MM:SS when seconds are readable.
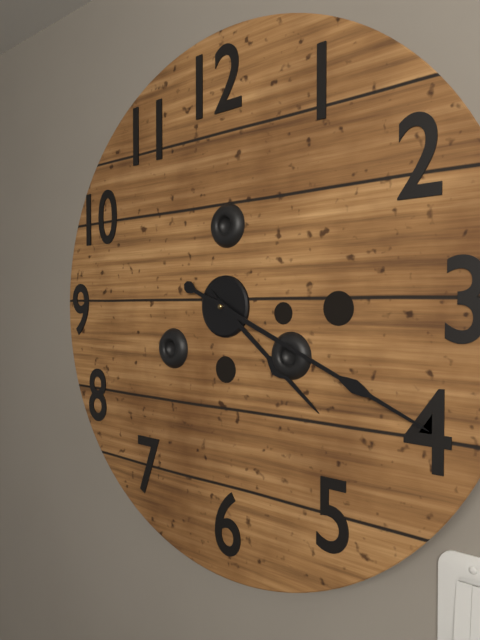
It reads **4:19**
